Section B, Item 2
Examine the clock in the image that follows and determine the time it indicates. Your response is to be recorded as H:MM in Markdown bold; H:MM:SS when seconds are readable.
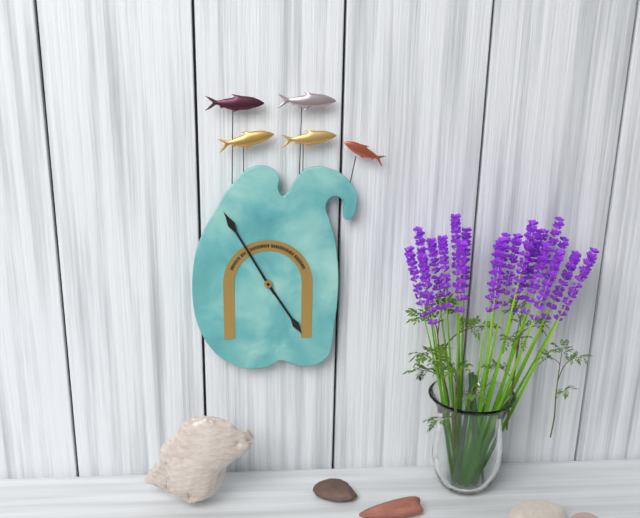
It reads **4:55**
